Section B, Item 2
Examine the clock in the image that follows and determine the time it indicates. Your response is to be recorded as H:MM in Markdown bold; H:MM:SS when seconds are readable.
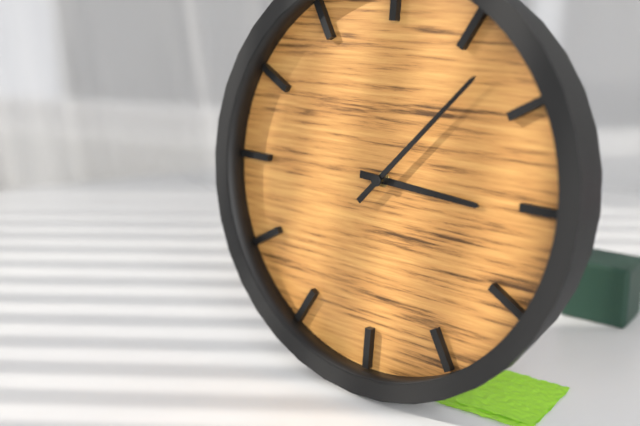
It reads **3:07**
